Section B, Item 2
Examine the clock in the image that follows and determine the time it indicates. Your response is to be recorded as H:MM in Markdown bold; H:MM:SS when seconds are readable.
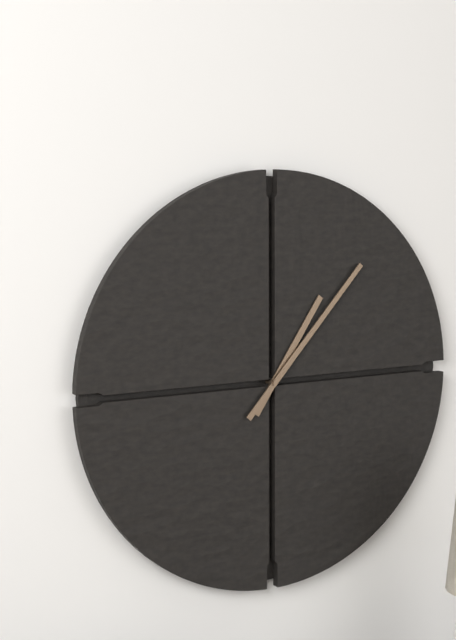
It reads **1:07**
